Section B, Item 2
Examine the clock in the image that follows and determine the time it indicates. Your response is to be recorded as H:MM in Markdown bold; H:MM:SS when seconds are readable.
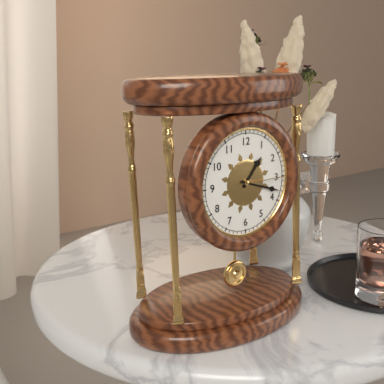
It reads **1:18**
